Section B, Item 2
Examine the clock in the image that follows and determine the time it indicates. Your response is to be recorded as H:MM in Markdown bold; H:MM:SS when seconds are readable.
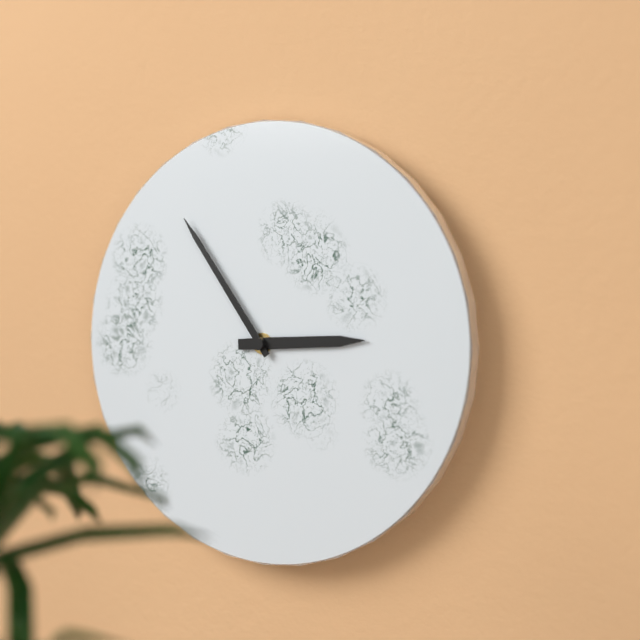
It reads **2:54**
